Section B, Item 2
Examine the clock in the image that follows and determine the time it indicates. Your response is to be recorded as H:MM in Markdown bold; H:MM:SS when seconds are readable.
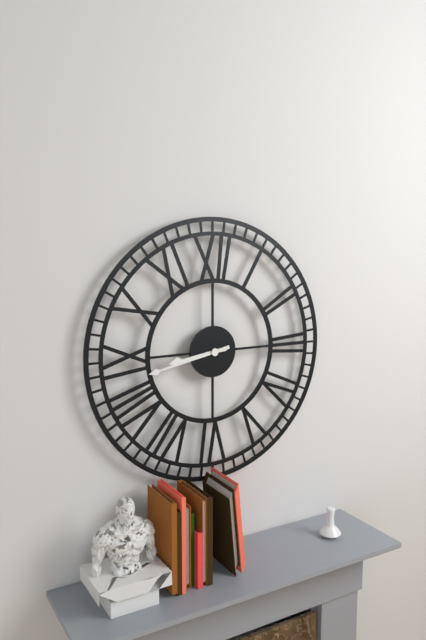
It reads **8:43**
